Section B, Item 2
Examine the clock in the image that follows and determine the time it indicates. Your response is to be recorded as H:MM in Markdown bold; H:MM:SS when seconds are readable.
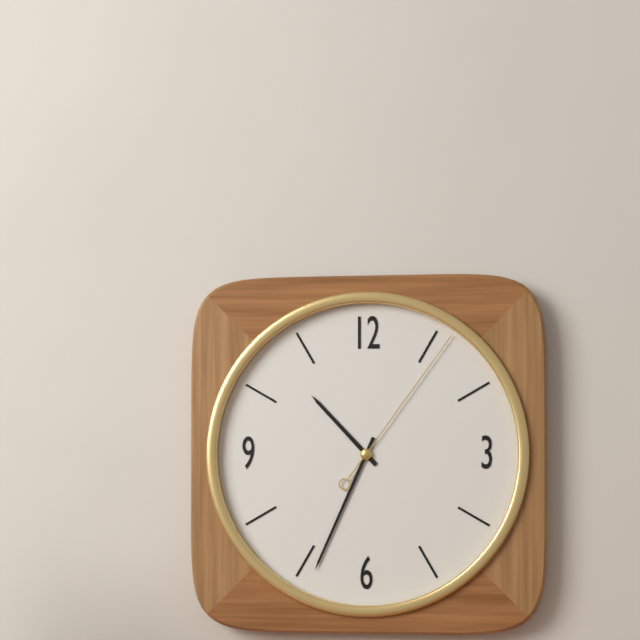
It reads **10:34:06**
